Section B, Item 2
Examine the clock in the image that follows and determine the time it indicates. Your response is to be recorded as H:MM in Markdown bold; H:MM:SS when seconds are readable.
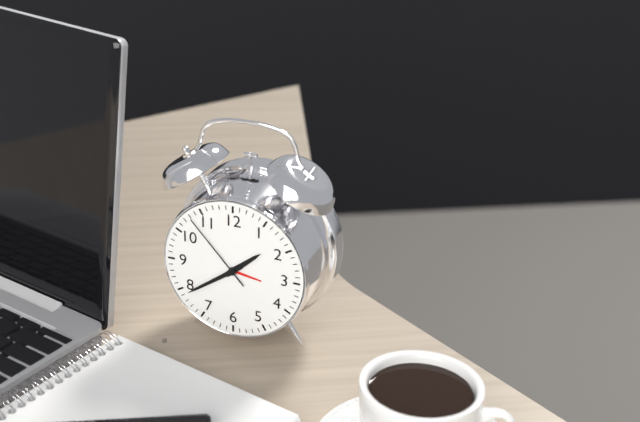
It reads **1:39:53**
